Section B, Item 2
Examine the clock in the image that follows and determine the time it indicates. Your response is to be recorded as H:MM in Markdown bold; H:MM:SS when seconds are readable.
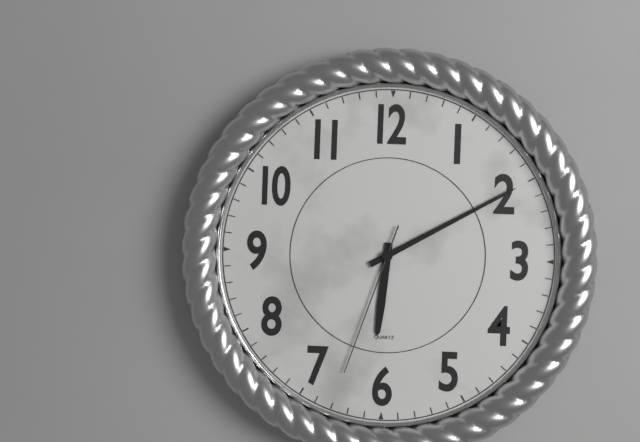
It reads **6:10:33**
